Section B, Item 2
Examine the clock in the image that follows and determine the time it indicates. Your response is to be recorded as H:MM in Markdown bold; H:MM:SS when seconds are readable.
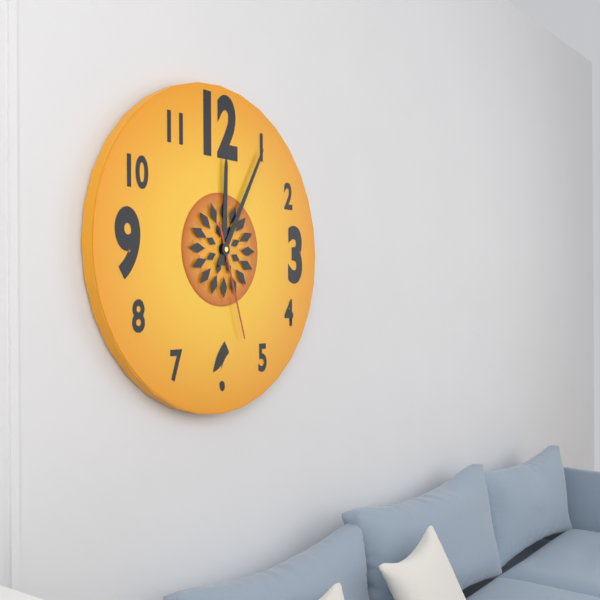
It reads **12:05:27**
